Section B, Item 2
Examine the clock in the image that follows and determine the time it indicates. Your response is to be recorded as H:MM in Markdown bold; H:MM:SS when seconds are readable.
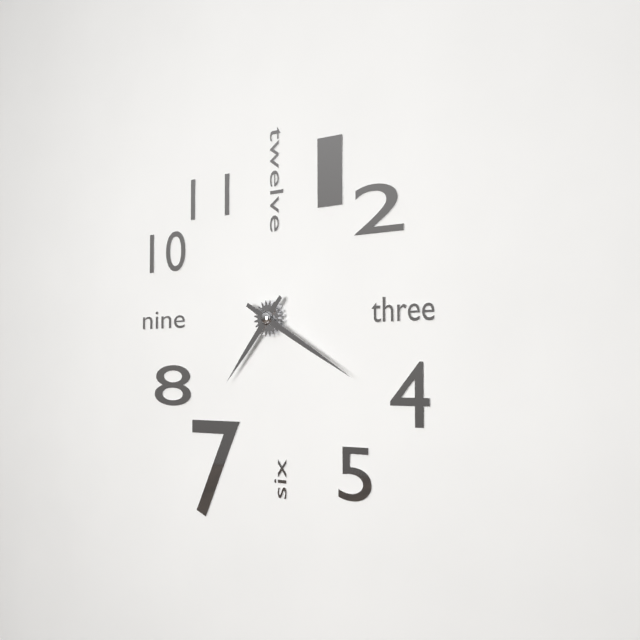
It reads **7:20**
